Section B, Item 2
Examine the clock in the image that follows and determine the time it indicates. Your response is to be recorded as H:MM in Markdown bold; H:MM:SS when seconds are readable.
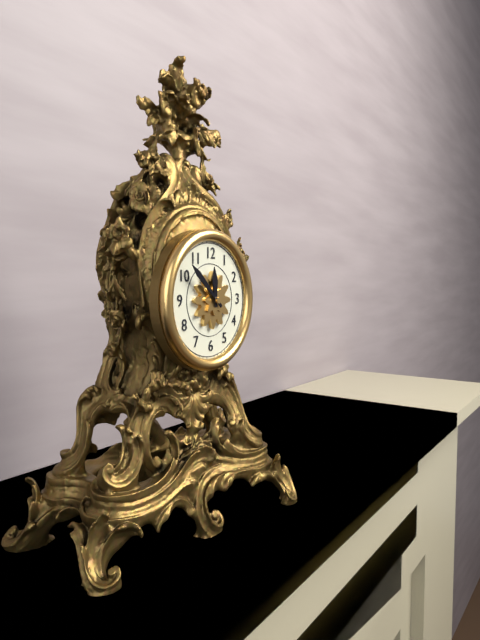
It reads **11:52**
